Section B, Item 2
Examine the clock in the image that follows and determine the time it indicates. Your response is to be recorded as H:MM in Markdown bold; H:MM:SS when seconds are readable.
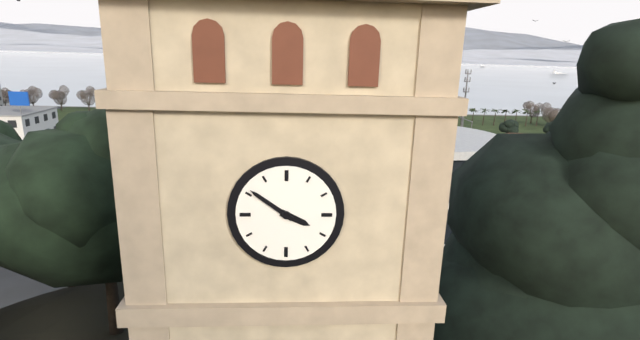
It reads **3:51**
